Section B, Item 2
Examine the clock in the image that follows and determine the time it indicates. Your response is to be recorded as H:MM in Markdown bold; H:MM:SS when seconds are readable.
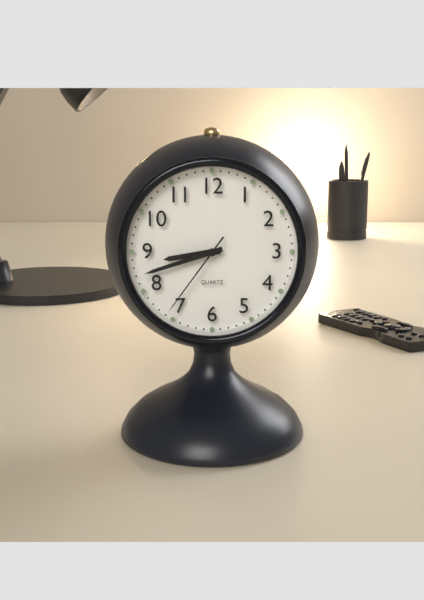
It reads **8:42:36**
